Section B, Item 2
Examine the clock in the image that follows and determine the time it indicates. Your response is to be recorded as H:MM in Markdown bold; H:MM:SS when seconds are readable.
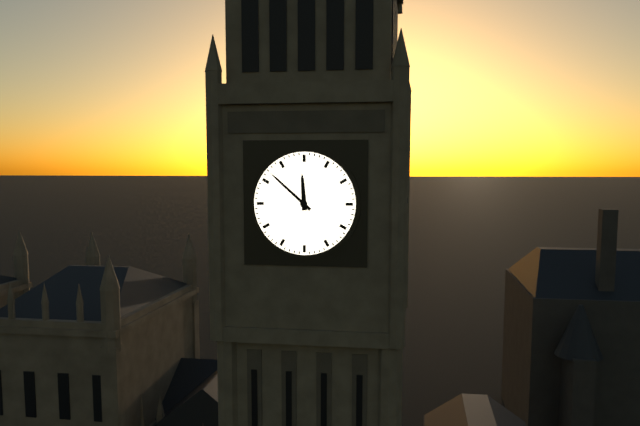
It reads **11:52**
